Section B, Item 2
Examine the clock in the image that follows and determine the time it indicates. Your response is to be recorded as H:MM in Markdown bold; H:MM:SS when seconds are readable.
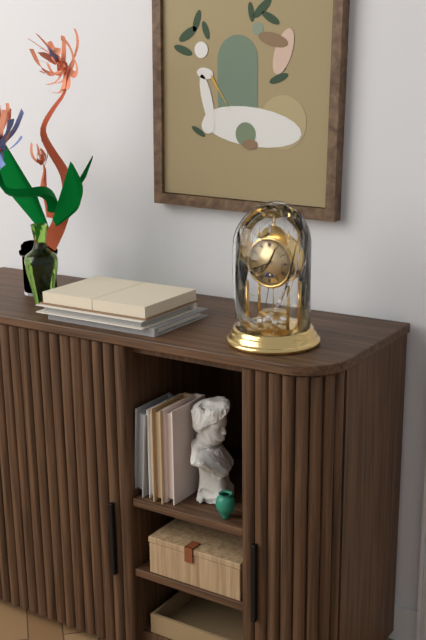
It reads **7:41**
